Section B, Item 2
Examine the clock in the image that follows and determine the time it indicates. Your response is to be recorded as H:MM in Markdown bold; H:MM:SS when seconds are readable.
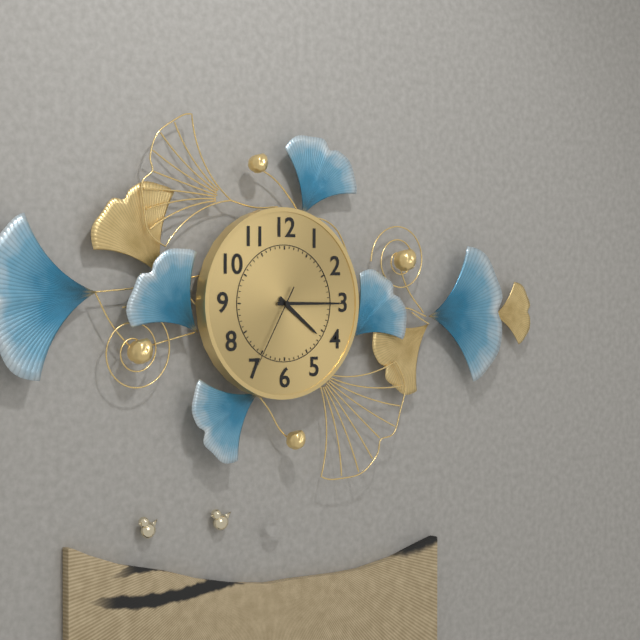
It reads **4:15:35**
